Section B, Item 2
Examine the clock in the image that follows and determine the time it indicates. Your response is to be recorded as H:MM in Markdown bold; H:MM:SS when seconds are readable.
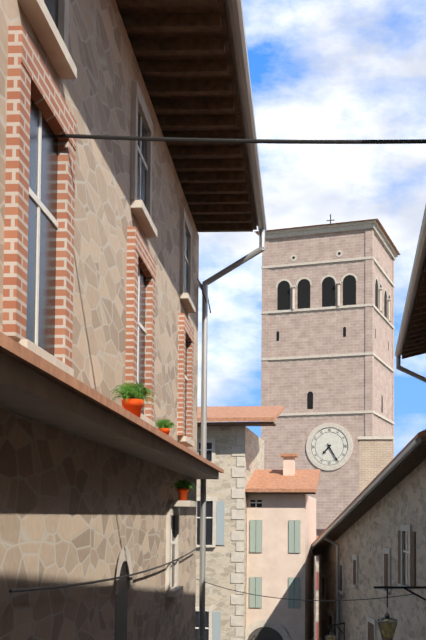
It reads **7:25**
